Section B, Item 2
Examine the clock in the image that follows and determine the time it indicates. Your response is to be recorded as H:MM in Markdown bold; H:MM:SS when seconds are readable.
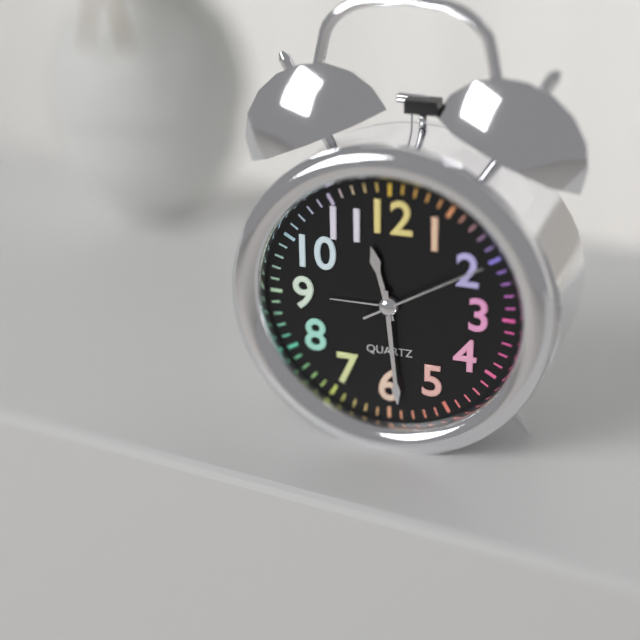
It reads **11:29:10**
